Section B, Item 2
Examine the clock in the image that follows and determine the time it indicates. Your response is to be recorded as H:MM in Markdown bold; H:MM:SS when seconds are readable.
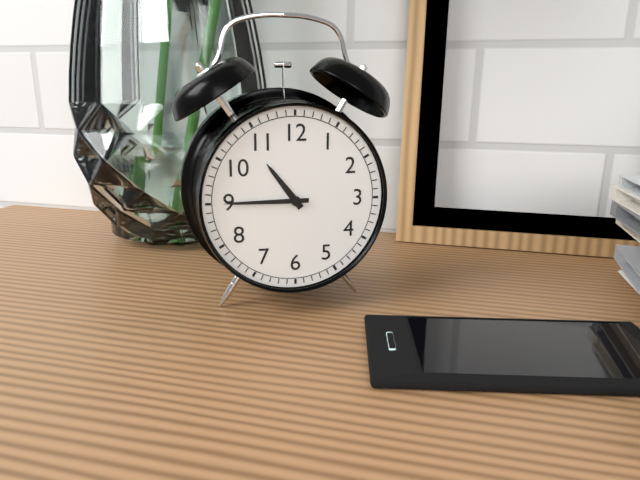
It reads **10:45**
